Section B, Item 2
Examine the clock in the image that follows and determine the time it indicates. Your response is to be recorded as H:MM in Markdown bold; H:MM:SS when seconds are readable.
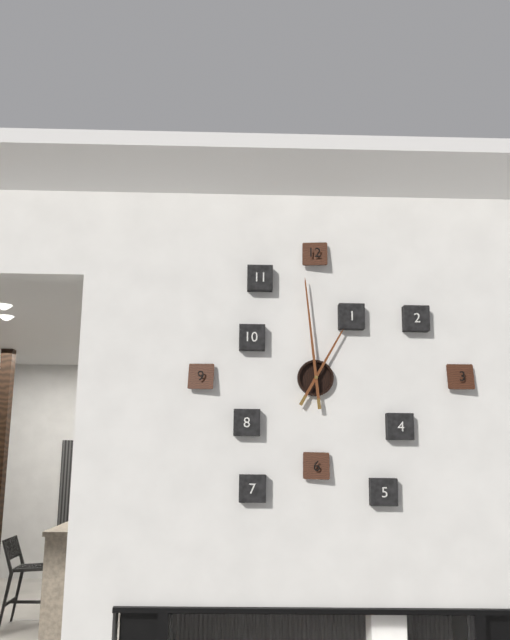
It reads **12:59**
